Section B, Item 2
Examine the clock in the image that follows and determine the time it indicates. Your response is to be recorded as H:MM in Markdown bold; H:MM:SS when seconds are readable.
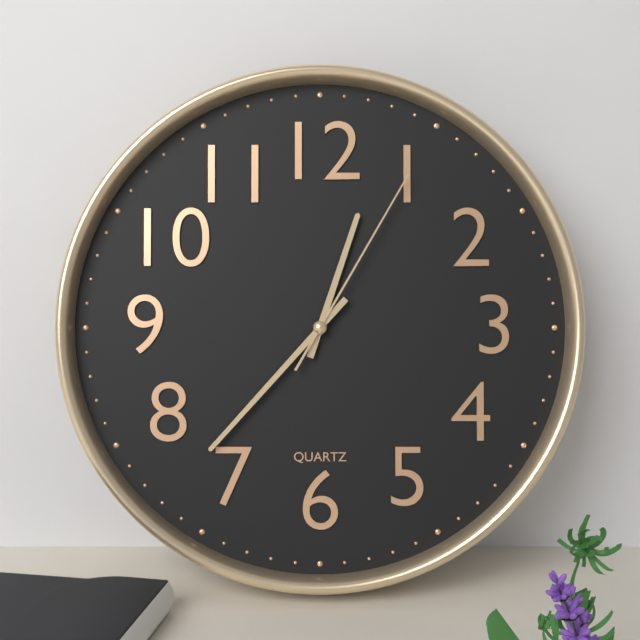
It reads **12:37:05**
